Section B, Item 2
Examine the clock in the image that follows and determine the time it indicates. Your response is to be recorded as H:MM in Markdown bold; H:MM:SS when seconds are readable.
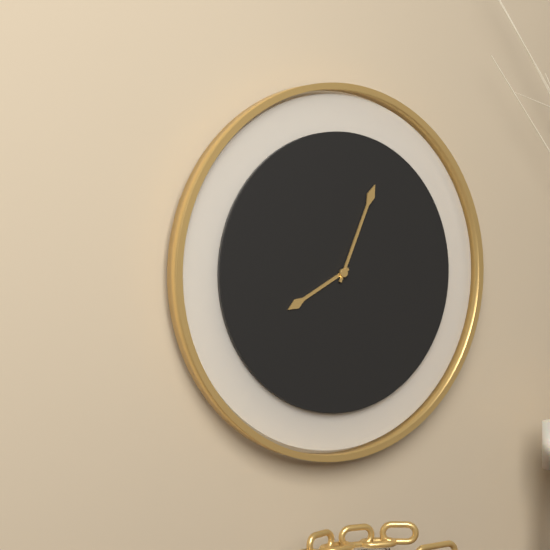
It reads **8:04**
